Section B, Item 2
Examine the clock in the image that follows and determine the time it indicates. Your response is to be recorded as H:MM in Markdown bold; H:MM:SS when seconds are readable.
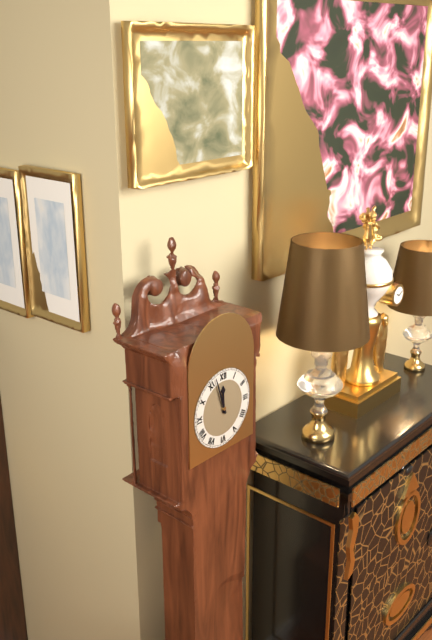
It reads **11:57**
